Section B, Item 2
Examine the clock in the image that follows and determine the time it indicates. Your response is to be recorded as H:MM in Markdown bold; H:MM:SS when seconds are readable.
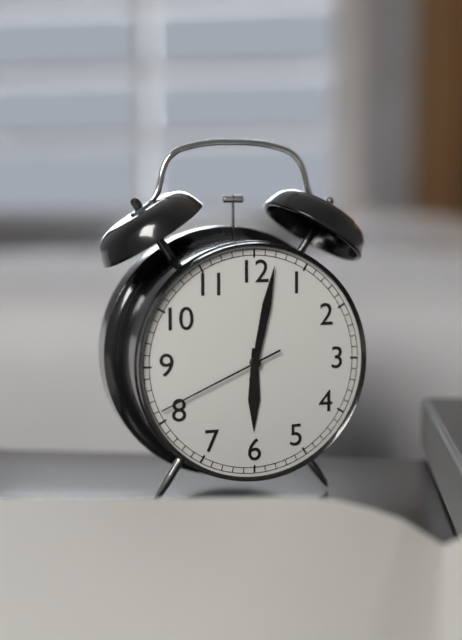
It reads **6:02:41**
